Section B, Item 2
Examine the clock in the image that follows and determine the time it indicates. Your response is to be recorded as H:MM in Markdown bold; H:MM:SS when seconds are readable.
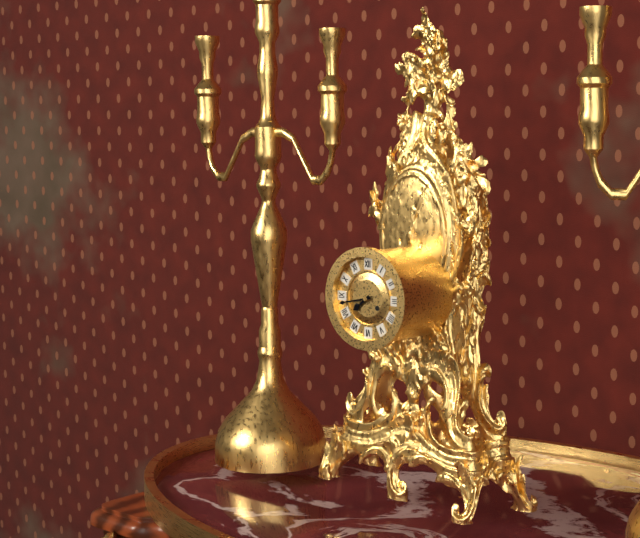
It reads **7:43**
